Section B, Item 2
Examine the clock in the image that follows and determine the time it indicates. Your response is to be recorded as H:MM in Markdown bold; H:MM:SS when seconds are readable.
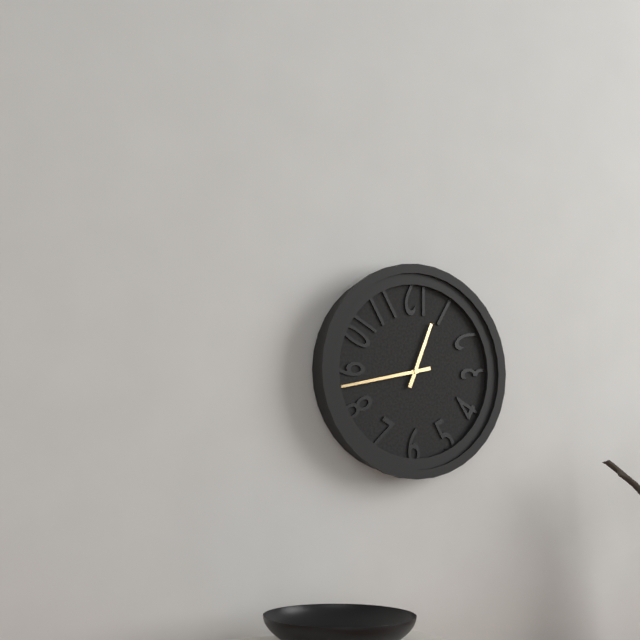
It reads **12:43**
